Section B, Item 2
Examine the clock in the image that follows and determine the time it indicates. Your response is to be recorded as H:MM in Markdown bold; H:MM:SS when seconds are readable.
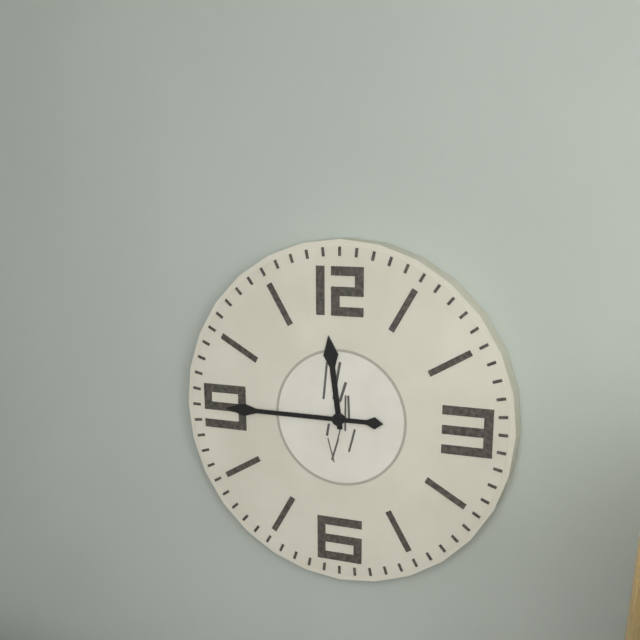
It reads **11:45**
